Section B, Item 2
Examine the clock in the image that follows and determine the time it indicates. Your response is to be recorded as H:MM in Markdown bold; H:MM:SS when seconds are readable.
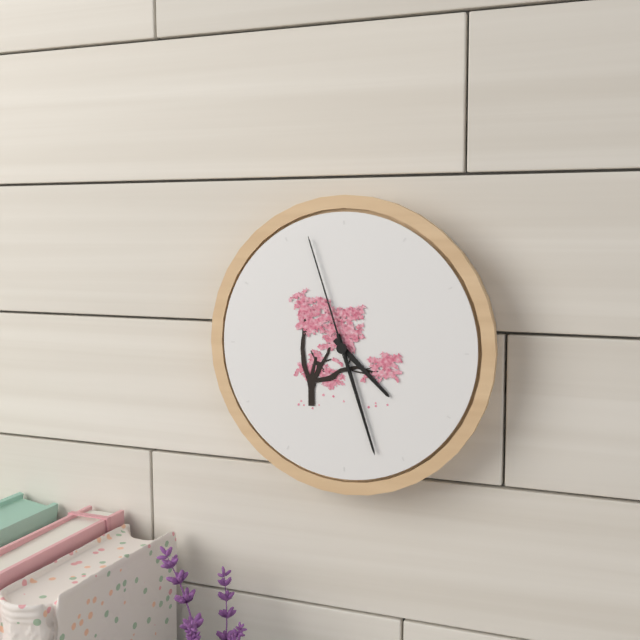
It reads **4:27:57**
